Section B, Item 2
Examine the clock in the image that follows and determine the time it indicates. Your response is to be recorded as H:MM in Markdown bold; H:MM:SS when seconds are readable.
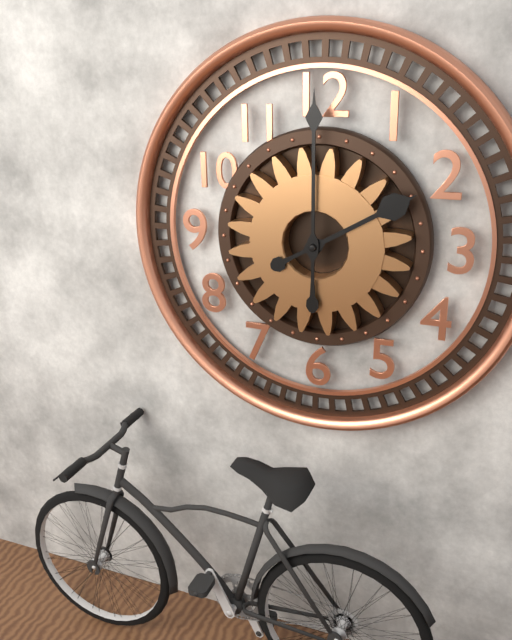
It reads **2:00**
